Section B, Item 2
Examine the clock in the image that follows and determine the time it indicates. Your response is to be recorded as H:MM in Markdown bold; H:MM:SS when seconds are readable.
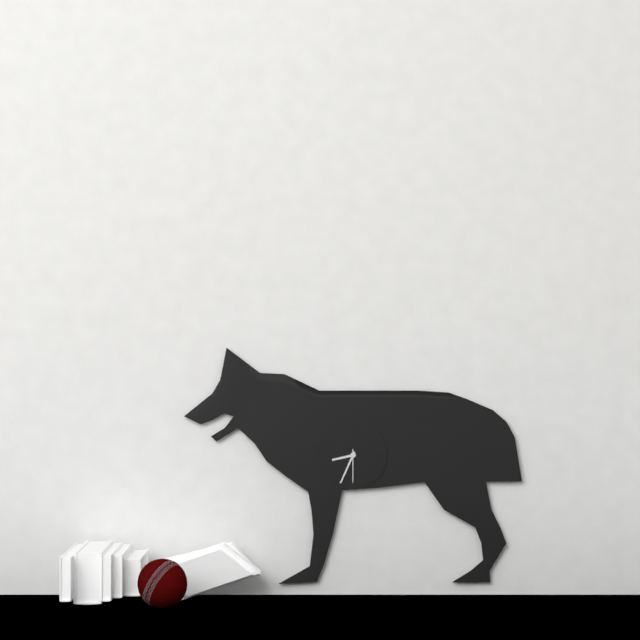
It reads **8:34**
